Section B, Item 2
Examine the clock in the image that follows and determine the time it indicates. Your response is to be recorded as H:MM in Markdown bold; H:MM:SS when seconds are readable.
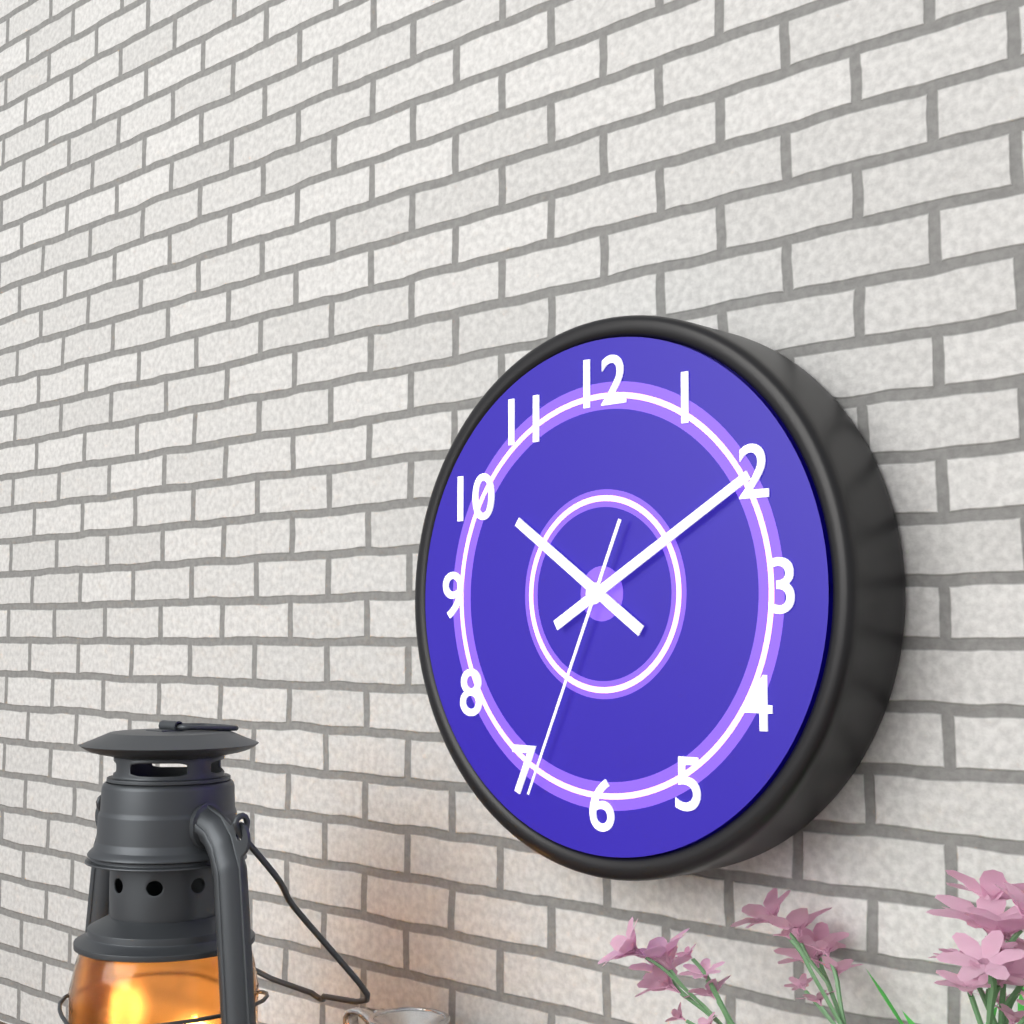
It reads **10:10:34**
